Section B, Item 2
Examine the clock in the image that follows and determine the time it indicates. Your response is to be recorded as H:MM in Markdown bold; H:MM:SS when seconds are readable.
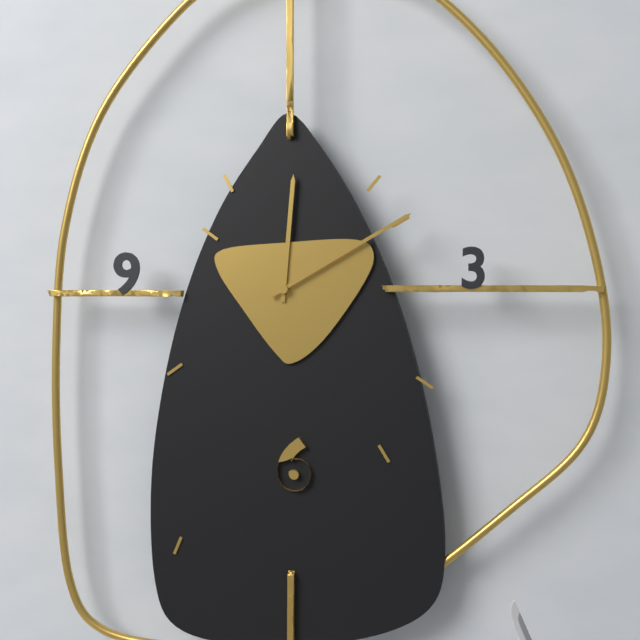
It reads **12:10**
